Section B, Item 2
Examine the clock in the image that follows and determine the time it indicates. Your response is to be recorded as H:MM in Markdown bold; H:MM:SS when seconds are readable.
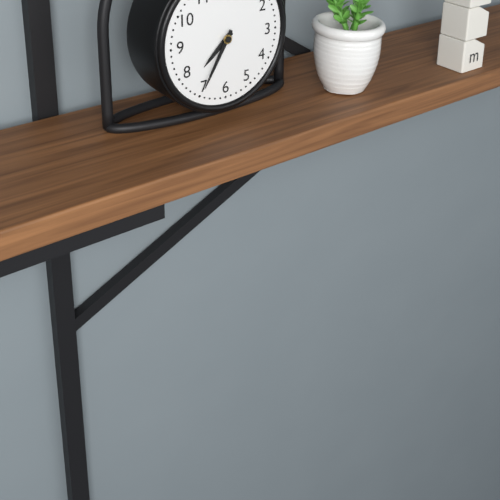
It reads **7:35**
